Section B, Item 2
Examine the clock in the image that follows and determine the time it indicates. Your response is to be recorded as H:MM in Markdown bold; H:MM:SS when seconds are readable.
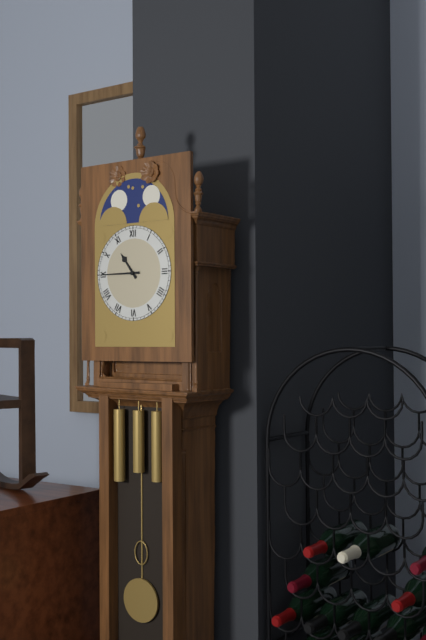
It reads **10:45**
